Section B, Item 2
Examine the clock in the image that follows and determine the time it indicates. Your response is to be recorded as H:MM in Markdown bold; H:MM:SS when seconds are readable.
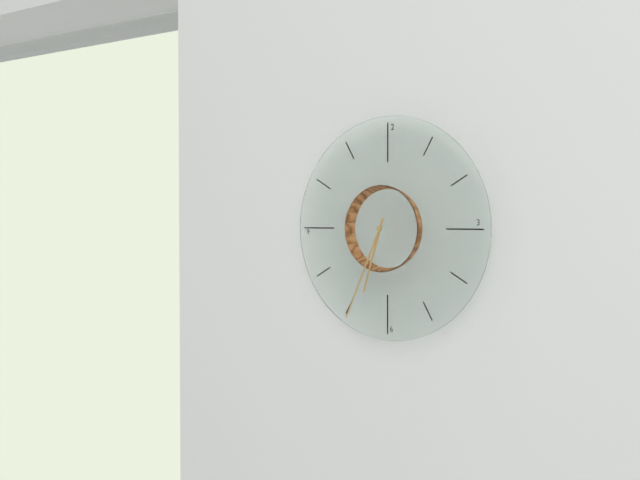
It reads **6:34**
